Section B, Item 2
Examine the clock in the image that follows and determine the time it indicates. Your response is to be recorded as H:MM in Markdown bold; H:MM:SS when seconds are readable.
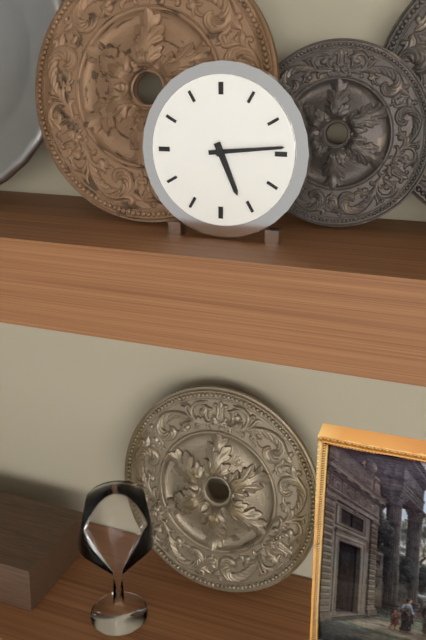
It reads **5:14**
